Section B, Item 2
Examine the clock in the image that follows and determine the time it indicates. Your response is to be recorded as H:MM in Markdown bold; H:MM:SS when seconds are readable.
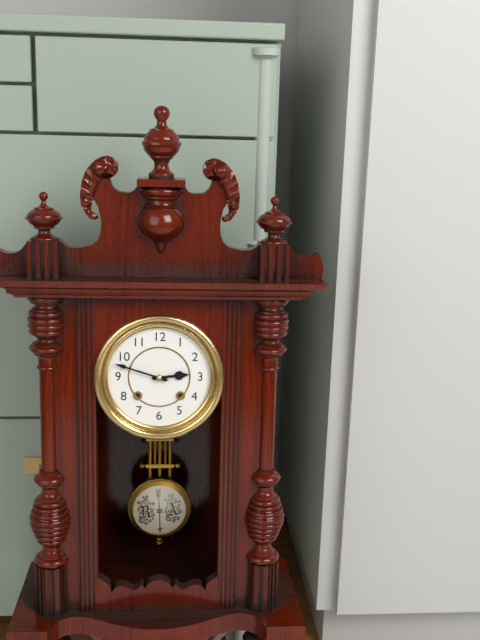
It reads **2:48**
